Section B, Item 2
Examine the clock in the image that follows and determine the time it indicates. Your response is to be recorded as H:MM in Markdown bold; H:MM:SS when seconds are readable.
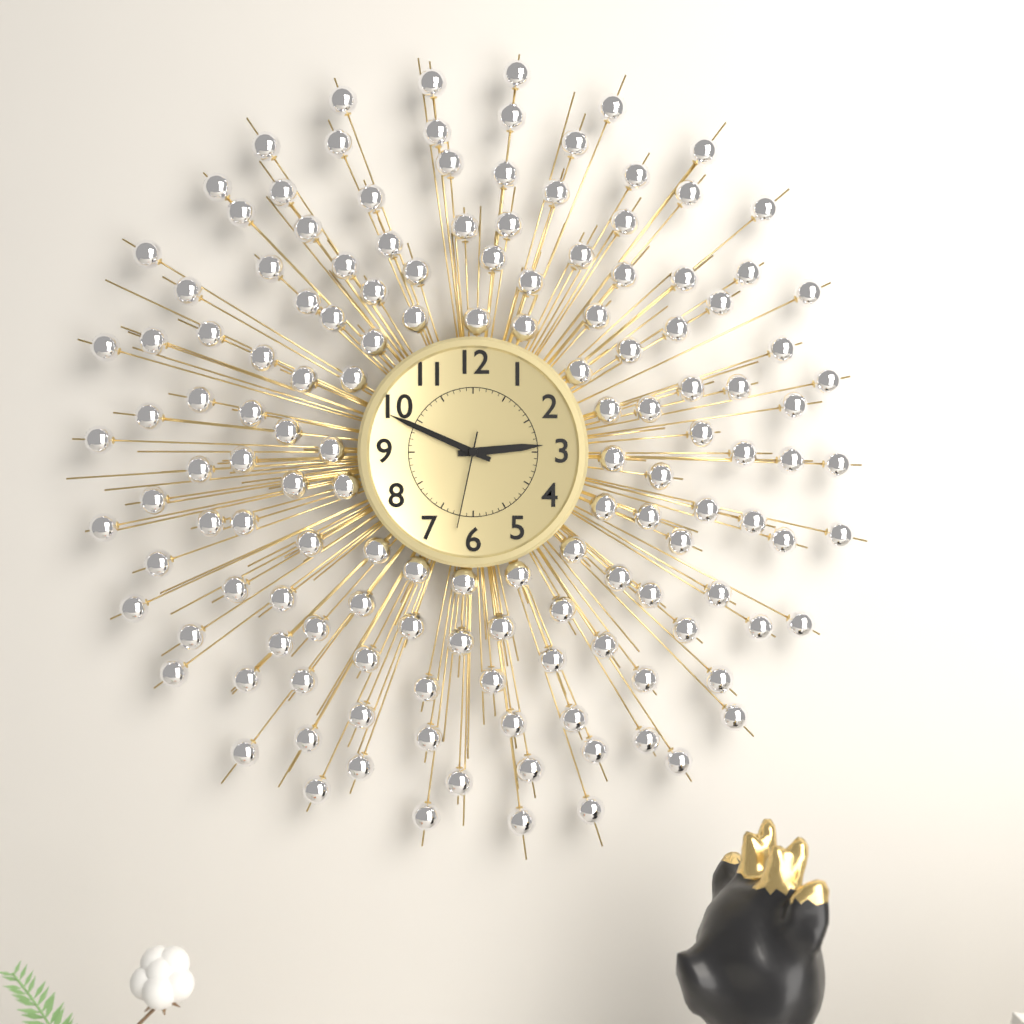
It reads **2:49:32**
